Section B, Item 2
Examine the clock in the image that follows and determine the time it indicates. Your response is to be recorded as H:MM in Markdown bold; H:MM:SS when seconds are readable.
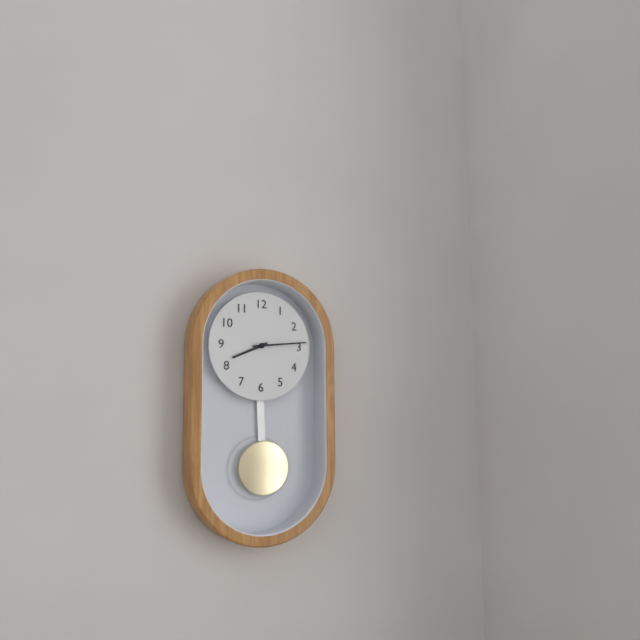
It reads **8:14**
